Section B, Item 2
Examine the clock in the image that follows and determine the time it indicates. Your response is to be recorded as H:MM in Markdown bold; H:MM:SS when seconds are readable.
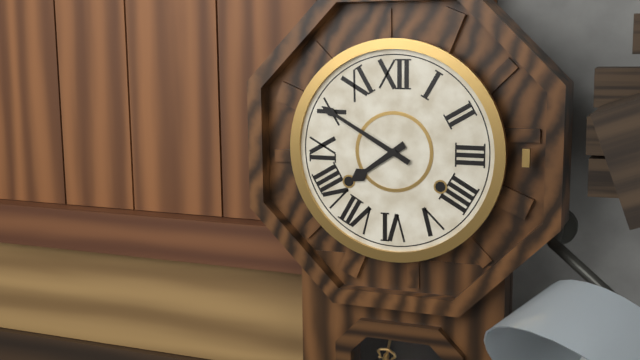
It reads **7:50**
